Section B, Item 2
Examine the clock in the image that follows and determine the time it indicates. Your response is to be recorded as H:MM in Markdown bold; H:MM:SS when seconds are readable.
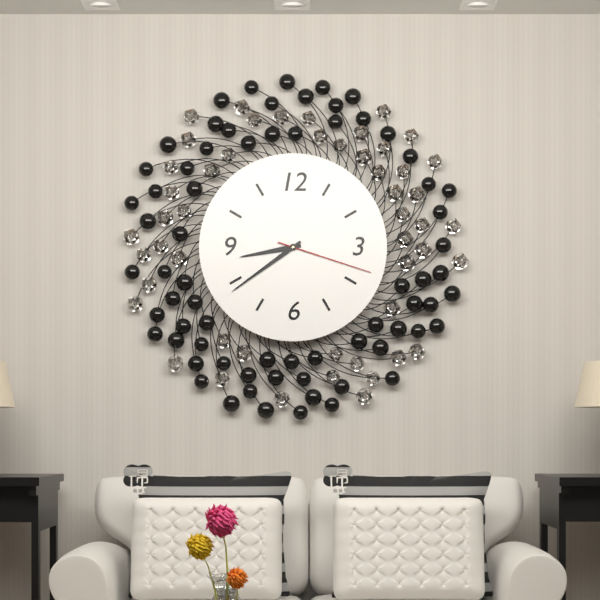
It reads **8:39:18**
